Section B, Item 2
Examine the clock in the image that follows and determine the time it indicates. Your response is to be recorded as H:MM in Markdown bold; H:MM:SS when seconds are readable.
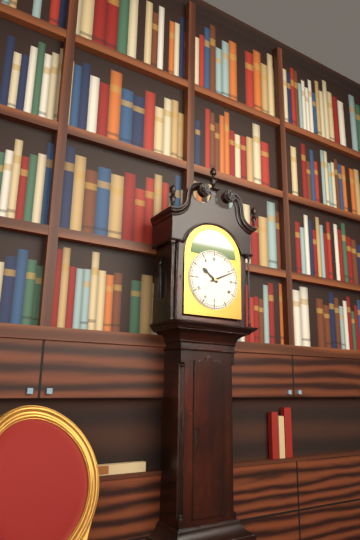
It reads **10:11**
